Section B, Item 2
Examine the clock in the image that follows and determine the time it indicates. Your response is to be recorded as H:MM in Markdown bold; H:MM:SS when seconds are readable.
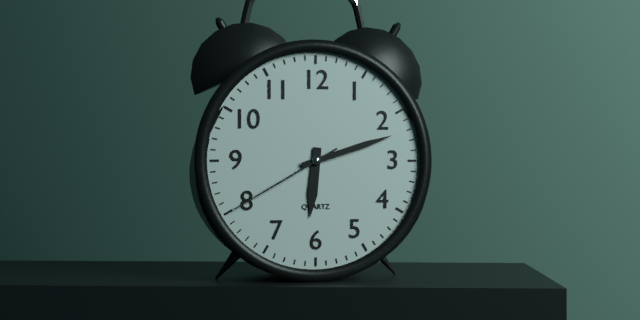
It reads **6:12:40**
